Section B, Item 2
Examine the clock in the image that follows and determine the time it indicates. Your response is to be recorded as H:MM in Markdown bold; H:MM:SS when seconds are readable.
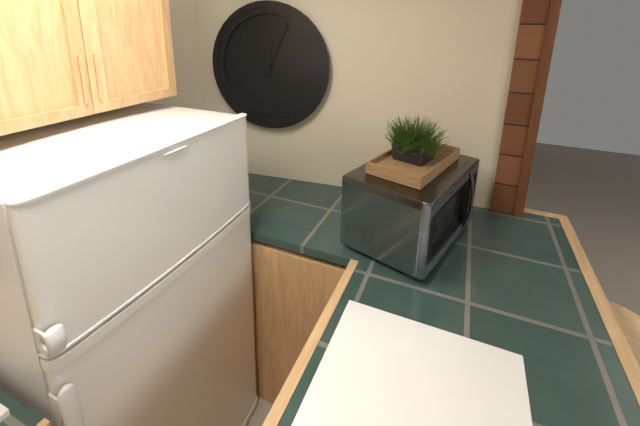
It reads **12:04**
